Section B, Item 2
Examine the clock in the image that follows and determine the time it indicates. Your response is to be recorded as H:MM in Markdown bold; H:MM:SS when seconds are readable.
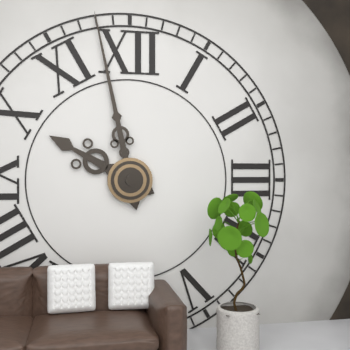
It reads **9:58**
